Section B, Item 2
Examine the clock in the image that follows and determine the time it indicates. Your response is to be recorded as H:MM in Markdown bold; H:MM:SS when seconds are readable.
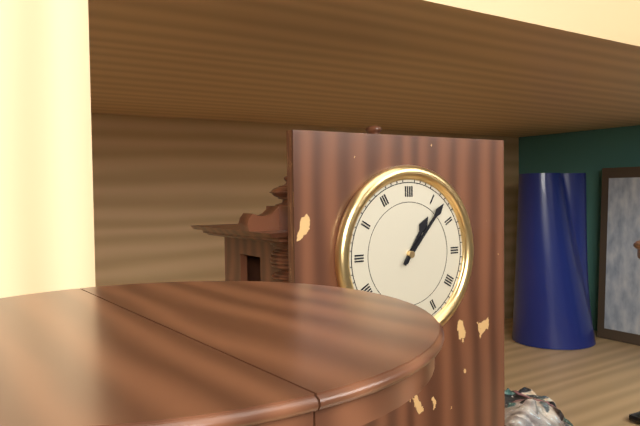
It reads **1:07**
